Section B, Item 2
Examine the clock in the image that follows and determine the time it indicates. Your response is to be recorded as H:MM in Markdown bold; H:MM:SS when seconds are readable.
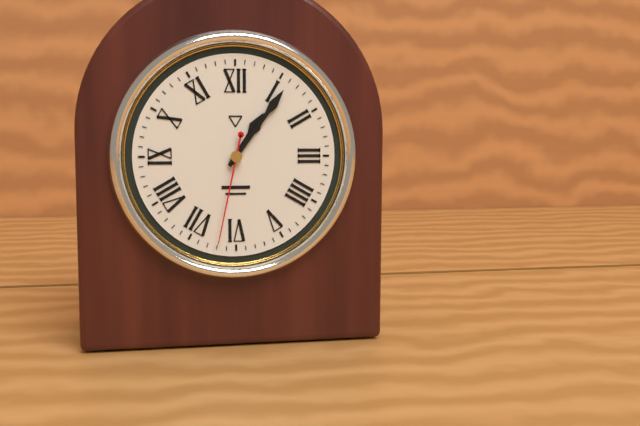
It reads **1:06:32**
